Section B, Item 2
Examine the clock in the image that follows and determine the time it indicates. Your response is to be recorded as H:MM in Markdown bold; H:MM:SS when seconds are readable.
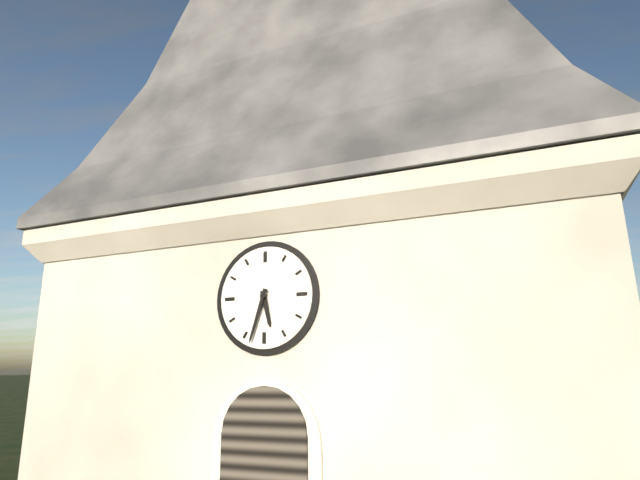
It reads **5:33**
